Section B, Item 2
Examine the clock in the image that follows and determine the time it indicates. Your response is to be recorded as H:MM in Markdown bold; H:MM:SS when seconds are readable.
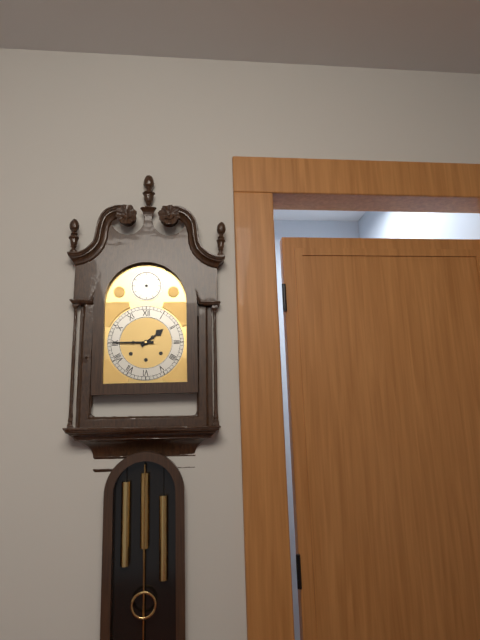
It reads **1:45**
